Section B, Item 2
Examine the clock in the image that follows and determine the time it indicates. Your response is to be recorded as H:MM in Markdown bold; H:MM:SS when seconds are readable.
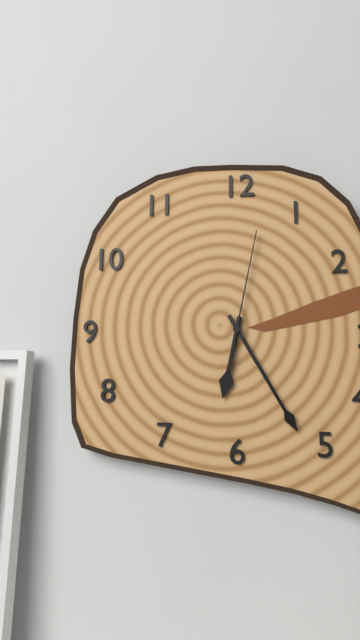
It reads **6:25:02**
